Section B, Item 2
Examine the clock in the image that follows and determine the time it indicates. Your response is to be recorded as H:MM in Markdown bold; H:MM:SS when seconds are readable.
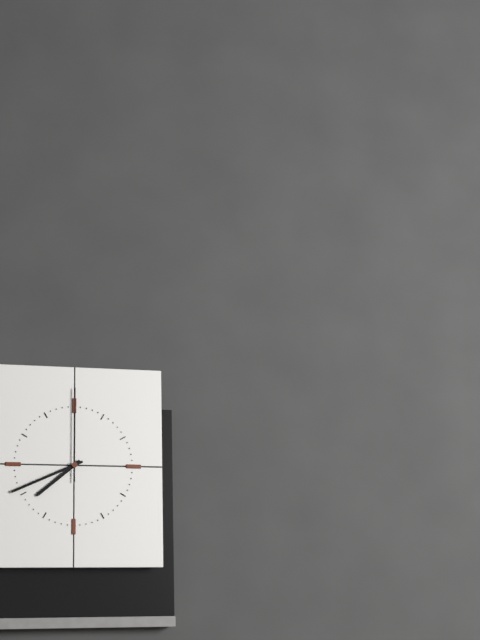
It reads **7:41:00**
